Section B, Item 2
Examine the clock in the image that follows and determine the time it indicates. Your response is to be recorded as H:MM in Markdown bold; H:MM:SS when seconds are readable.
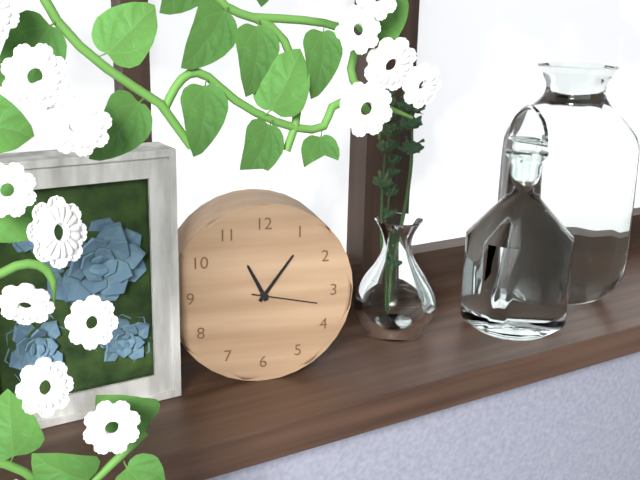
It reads **11:06:17**
